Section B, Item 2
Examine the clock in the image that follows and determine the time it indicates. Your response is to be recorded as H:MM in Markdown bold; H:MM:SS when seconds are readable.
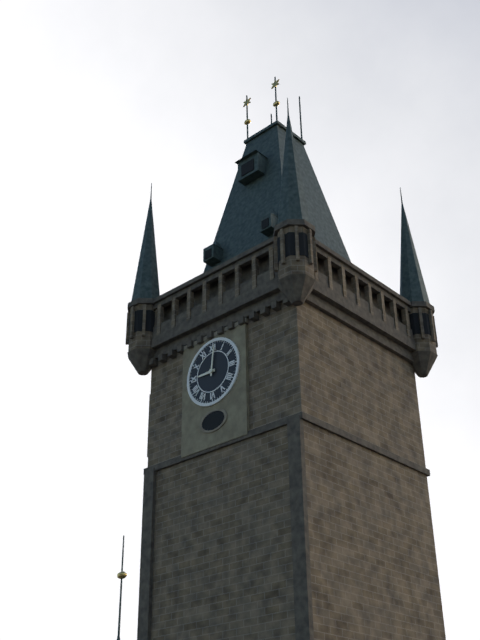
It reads **9:01**
